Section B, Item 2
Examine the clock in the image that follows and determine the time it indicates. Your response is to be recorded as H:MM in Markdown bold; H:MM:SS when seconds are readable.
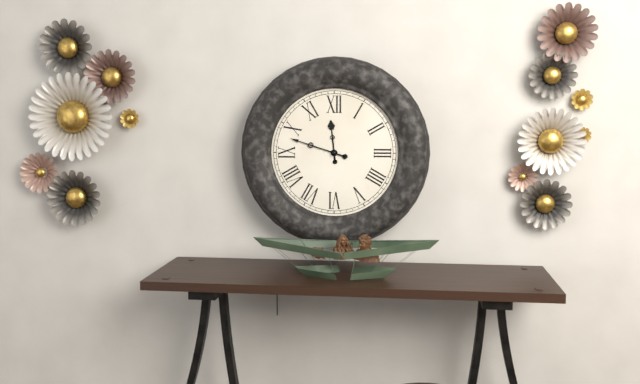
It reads **11:48**
